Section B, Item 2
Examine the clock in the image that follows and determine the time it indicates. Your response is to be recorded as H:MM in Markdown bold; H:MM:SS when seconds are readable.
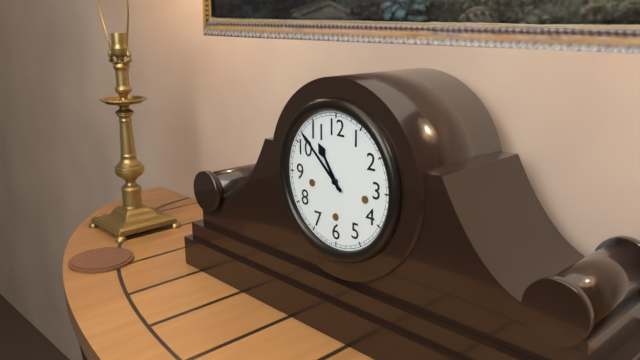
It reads **10:52**
